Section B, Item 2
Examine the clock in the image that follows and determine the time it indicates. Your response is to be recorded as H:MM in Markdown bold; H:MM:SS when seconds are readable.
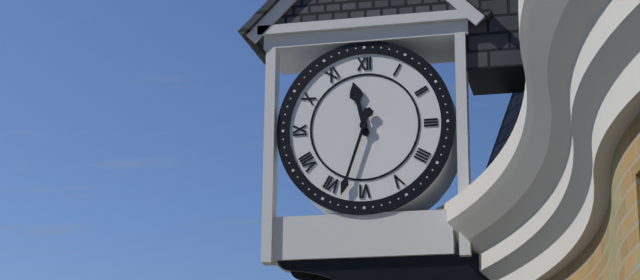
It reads **11:33**
